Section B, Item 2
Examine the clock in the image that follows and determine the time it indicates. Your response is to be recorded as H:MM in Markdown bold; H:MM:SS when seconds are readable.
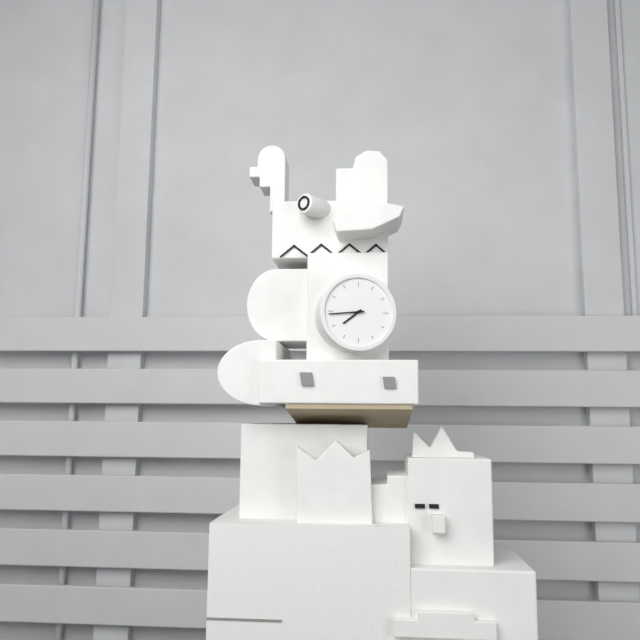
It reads **7:44**
